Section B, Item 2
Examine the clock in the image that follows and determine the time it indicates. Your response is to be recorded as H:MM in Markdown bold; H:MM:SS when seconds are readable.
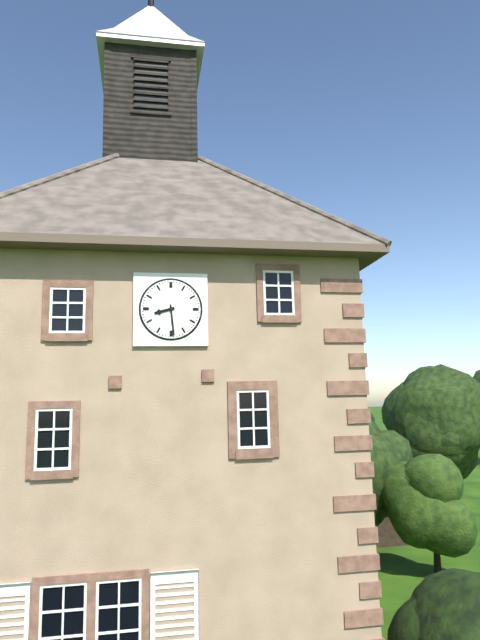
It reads **8:29**
